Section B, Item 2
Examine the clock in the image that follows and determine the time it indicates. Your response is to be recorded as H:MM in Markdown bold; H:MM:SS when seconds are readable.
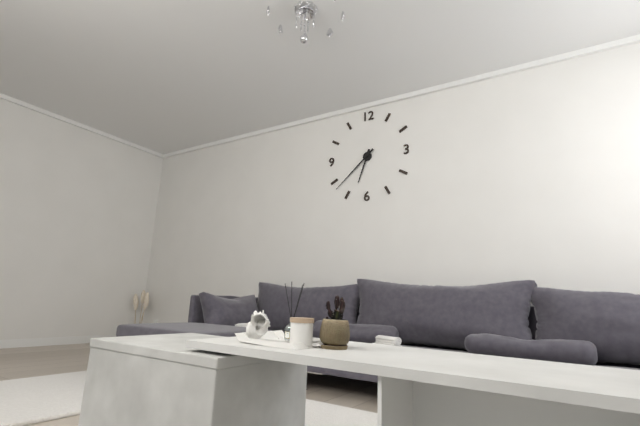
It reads **6:38**
